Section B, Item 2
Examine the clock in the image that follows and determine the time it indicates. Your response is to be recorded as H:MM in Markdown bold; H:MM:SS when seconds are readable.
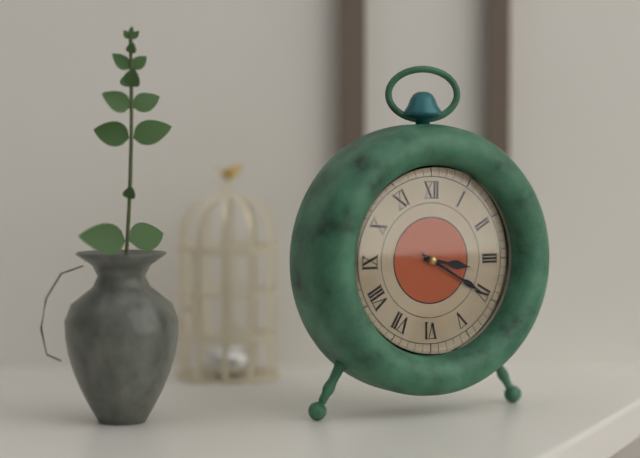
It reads **3:20**
